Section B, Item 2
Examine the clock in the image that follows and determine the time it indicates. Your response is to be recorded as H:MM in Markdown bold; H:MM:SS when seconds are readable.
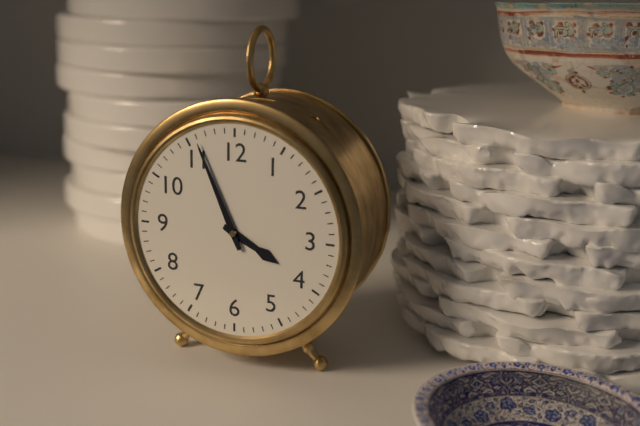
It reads **3:56**
